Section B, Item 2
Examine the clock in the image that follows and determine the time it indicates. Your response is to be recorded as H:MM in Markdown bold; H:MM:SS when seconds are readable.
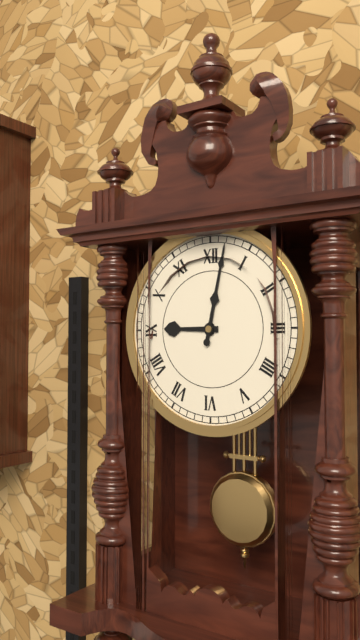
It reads **9:02**
